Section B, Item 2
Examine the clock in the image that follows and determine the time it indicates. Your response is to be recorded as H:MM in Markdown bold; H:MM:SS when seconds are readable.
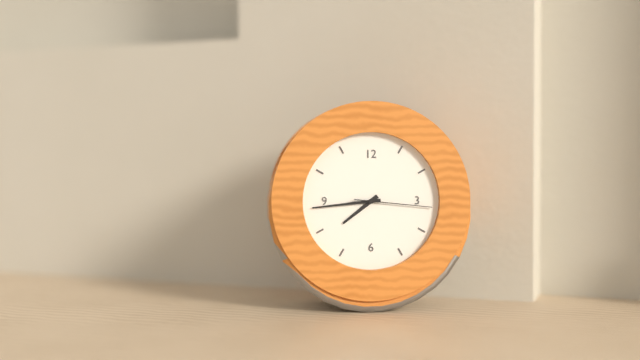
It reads **7:44:16**
